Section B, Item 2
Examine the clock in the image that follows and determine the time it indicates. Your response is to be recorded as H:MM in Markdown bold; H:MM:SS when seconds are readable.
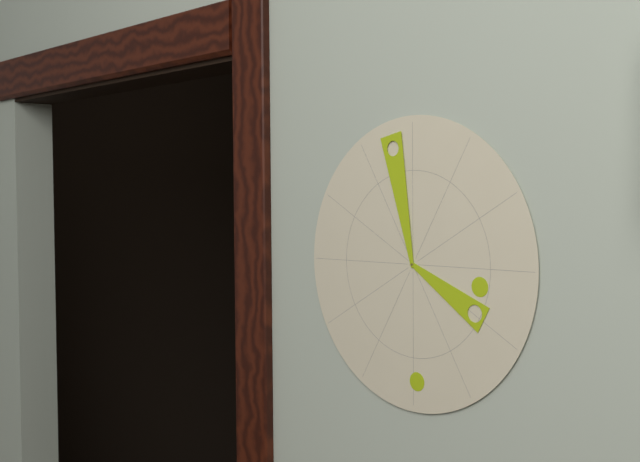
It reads **3:58**
